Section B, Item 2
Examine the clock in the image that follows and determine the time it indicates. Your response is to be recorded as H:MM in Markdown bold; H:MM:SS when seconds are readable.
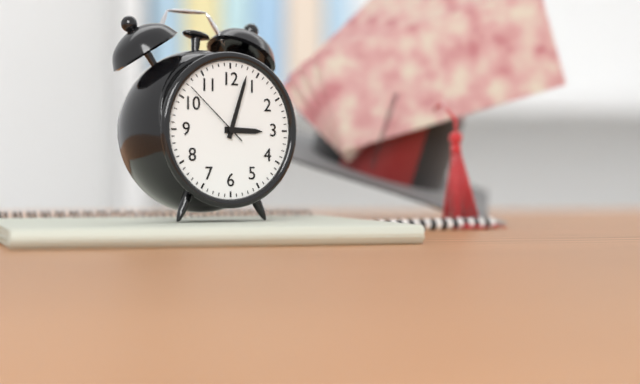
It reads **3:03:52**
